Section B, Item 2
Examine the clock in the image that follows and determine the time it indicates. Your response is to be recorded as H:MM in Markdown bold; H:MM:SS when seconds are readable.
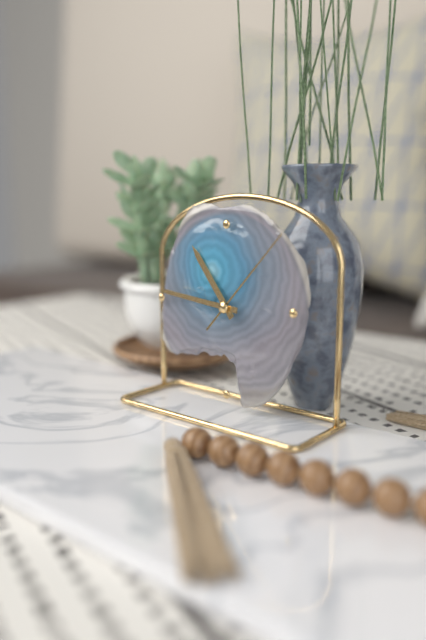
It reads **10:46:07**
